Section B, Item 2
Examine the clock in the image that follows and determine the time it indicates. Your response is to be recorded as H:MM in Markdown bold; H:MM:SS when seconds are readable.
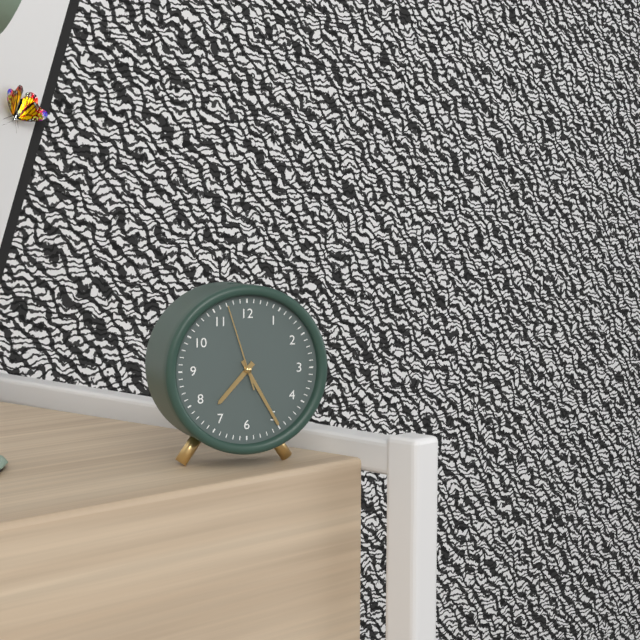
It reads **7:25:57**
